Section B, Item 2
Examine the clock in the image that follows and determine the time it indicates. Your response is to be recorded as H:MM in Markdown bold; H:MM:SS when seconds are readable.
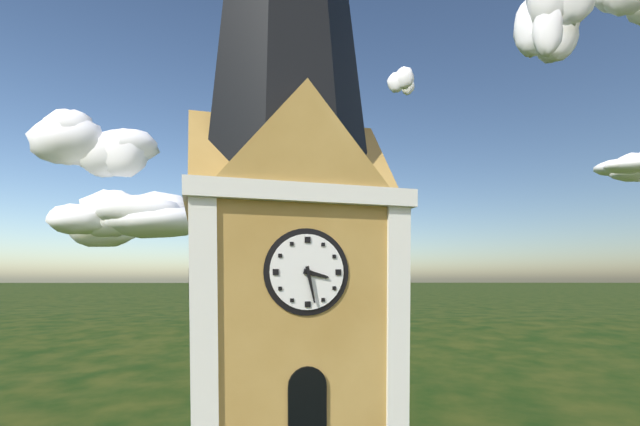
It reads **3:28**
